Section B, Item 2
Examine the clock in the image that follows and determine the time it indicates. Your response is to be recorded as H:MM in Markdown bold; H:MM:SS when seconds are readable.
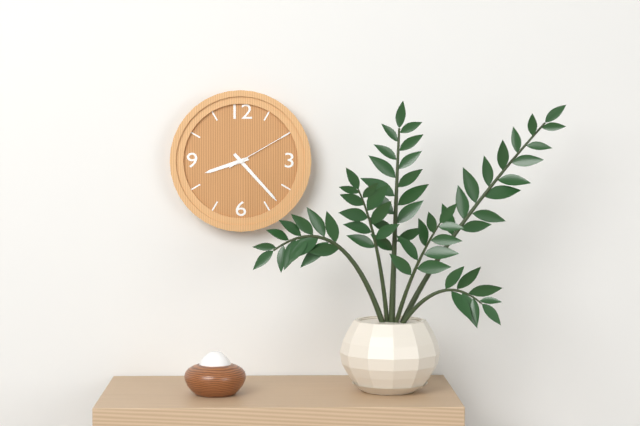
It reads **8:23:10**
